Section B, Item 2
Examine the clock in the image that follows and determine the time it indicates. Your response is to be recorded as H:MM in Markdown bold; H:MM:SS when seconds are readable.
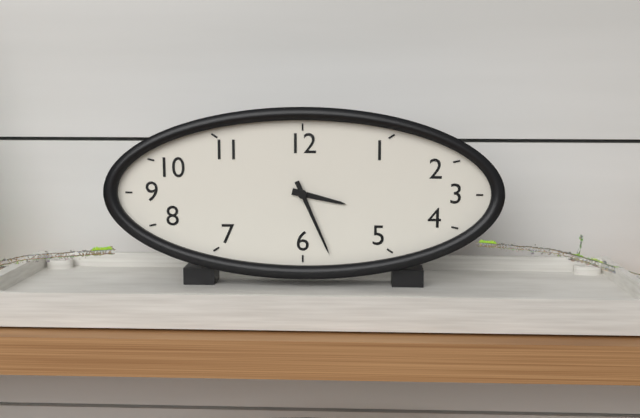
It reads **3:26**
